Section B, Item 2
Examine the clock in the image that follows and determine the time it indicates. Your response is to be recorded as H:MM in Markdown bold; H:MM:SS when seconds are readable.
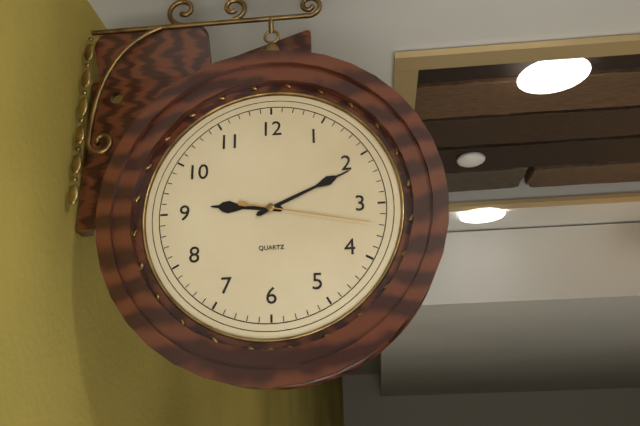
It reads **9:11:17**
